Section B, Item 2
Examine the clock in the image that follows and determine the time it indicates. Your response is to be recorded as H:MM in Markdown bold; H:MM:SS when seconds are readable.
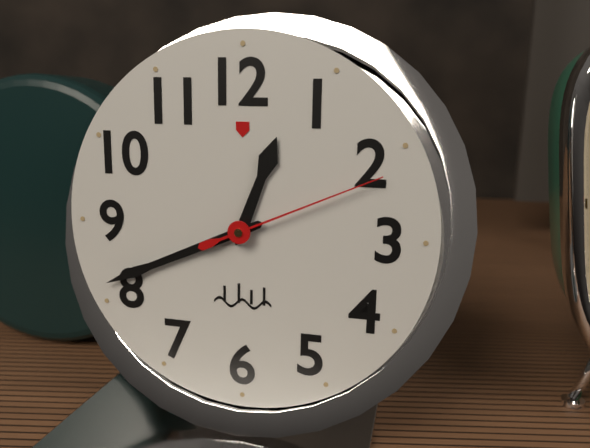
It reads **12:41:11**
